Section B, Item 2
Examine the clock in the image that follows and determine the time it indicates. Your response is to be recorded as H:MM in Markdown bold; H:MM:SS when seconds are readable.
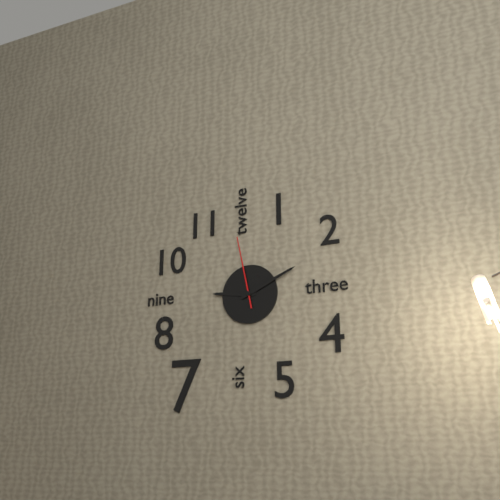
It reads **9:11:58**
